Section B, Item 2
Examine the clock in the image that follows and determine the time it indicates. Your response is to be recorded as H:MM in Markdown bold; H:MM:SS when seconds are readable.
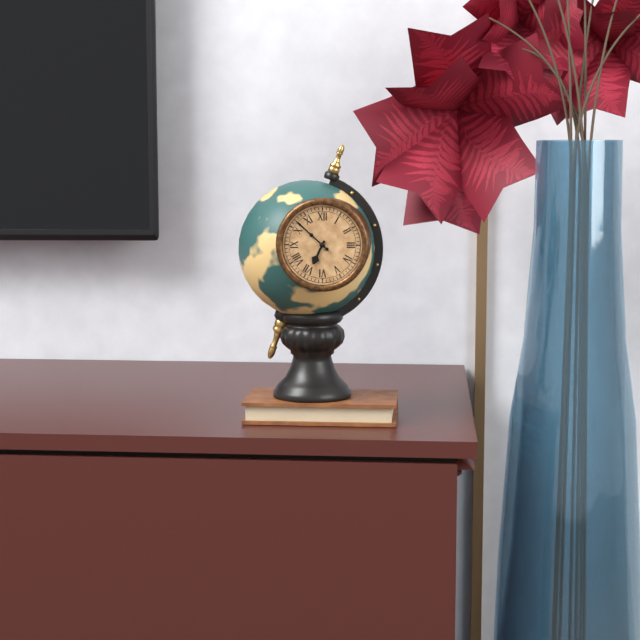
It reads **6:52**
